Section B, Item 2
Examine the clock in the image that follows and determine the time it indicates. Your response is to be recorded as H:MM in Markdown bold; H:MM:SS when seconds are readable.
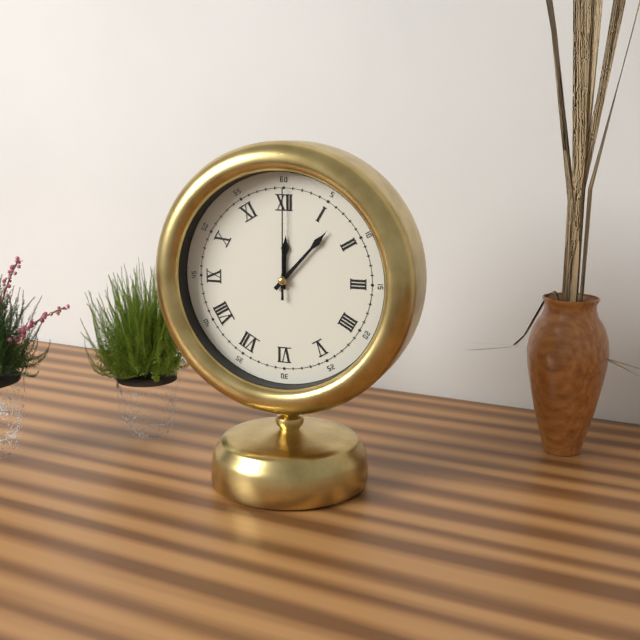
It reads **12:07:00**
